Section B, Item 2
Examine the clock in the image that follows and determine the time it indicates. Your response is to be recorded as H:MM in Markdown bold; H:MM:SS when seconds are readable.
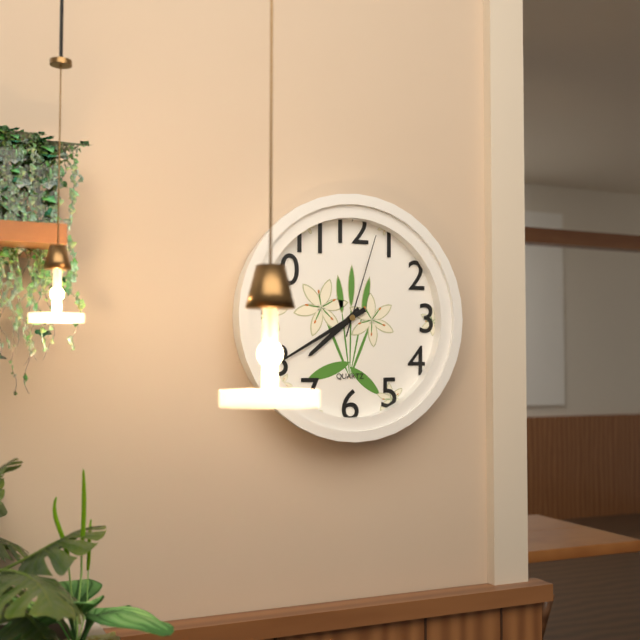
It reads **7:40:03**
